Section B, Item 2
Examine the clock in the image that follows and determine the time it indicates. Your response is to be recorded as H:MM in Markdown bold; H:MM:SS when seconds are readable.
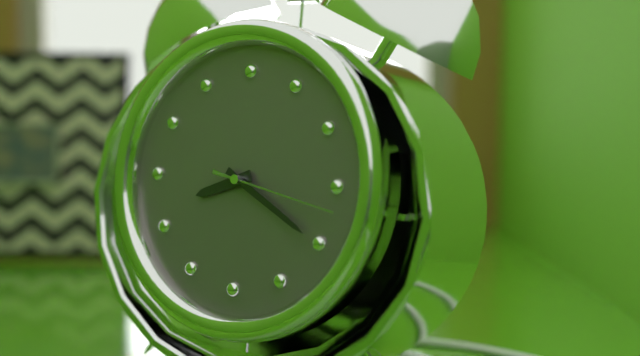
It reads **8:20:17**
